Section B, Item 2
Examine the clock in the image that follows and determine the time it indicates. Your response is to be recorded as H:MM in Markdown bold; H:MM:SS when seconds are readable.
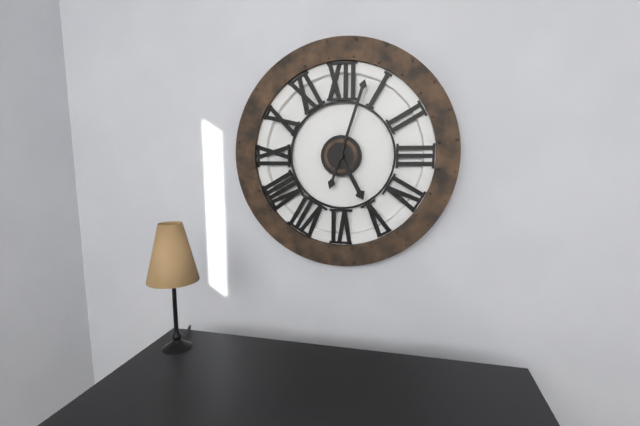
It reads **5:03**
